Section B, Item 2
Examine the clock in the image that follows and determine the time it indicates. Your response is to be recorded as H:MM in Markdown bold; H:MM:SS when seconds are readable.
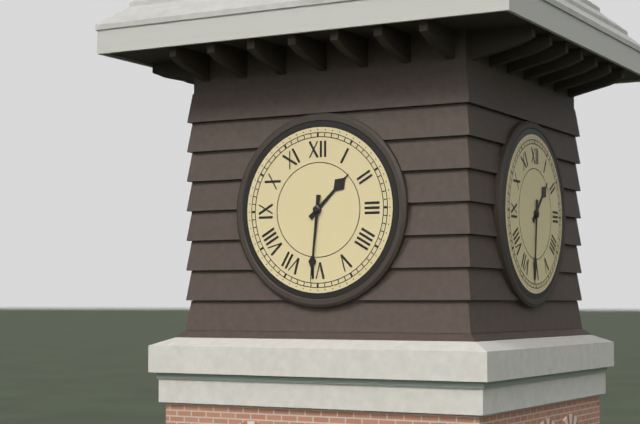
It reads **1:31**
